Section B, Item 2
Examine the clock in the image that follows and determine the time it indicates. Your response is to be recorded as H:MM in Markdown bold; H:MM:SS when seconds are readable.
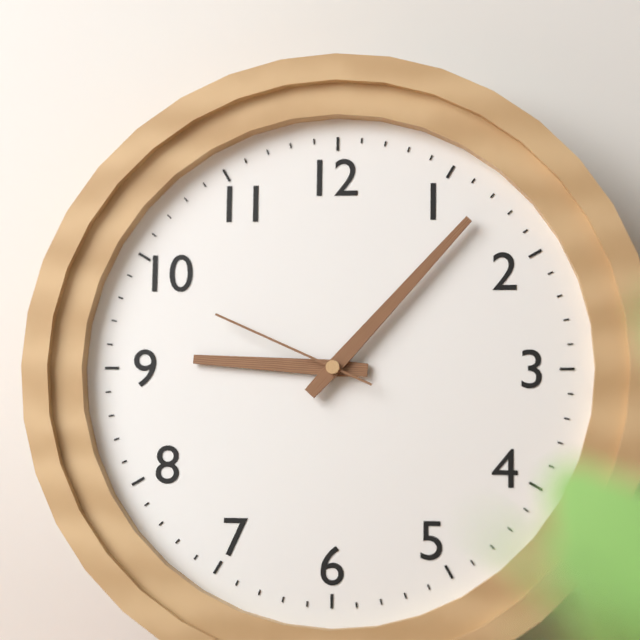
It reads **9:07:49**
